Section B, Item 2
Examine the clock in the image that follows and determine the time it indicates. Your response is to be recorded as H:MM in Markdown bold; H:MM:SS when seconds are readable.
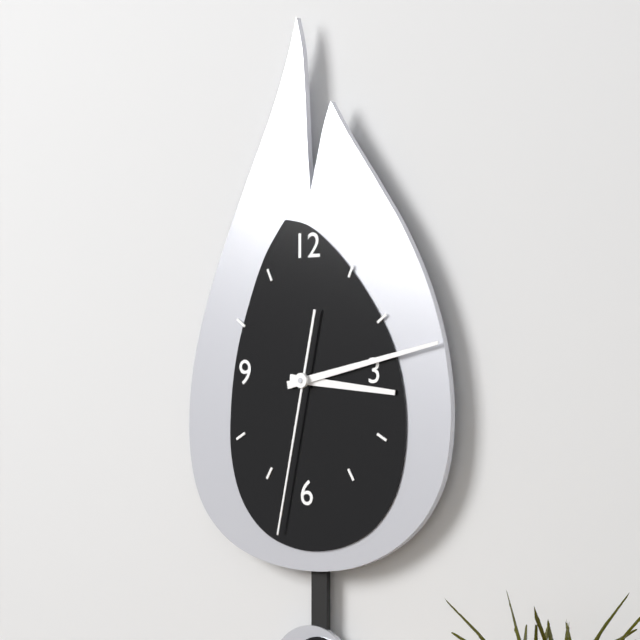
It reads **3:13:32**
